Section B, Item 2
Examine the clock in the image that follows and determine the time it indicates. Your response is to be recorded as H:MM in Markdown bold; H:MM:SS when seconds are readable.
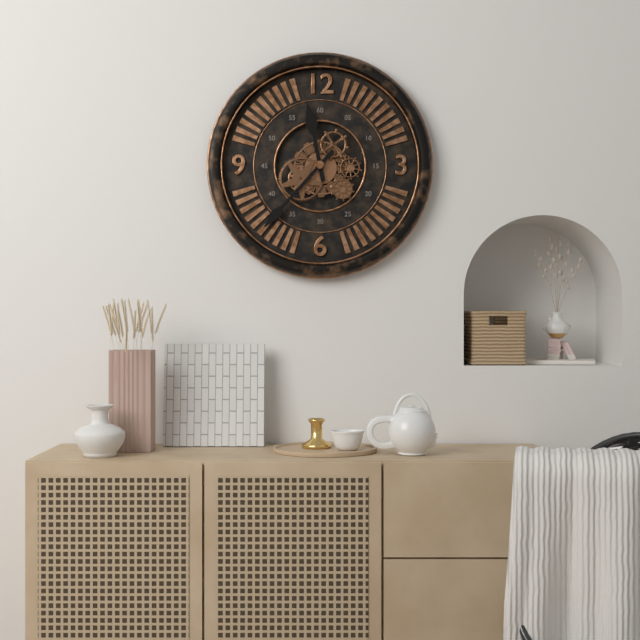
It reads **11:37**
